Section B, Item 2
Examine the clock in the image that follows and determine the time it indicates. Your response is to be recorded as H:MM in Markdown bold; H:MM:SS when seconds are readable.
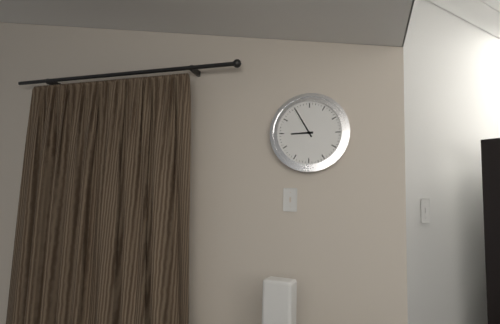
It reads **8:55**
